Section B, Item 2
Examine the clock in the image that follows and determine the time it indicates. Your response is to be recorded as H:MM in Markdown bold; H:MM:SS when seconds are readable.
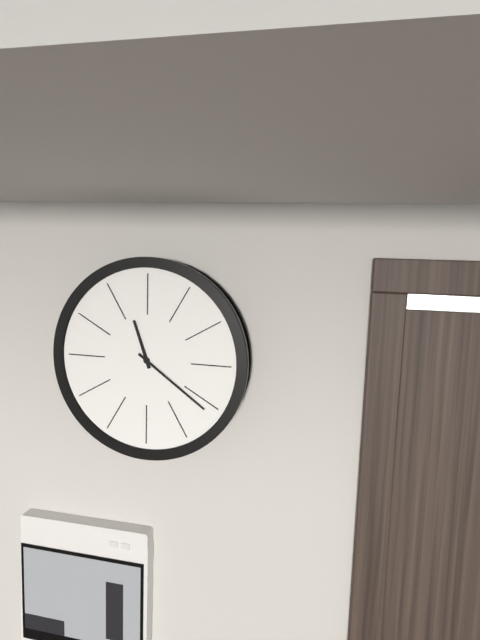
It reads **11:21**
